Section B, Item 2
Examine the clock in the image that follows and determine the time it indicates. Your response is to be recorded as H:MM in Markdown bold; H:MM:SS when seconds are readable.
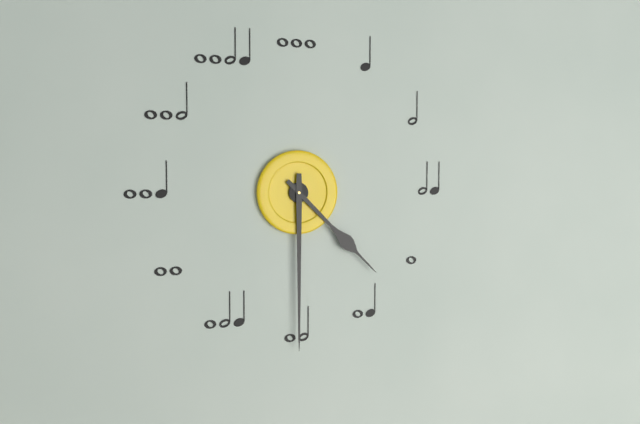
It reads **4:30**
